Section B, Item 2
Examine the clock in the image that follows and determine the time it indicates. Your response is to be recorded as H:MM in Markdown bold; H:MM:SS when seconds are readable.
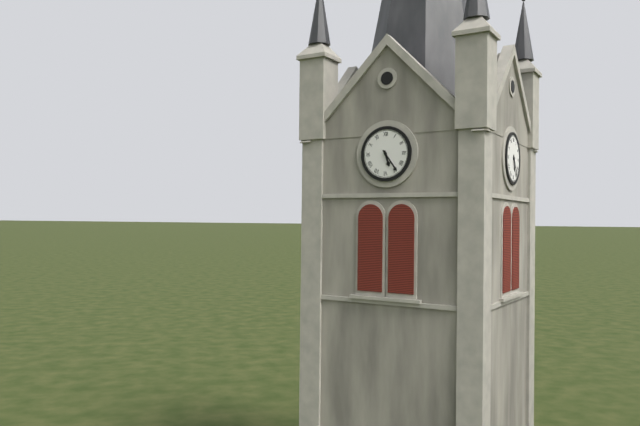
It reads **5:24**
